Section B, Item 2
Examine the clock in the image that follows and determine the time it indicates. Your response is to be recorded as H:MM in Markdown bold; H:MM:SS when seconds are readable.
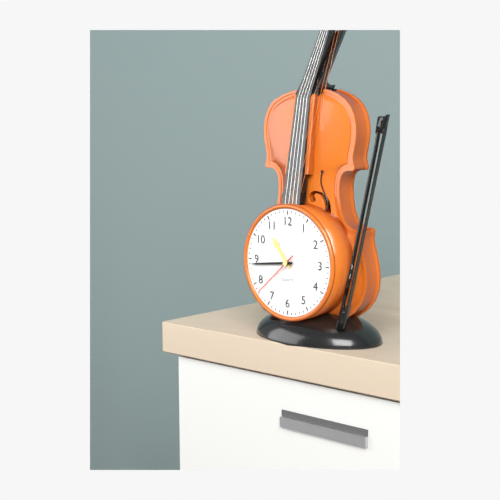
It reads **10:44:38**
